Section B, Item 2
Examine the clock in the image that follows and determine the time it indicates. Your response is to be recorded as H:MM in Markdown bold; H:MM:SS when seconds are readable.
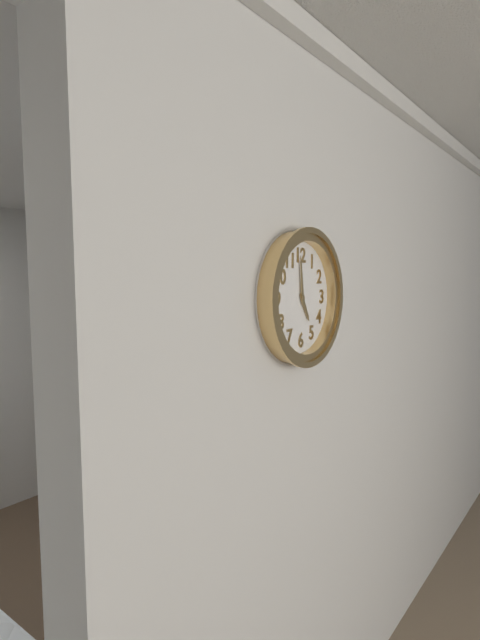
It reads **4:59**
